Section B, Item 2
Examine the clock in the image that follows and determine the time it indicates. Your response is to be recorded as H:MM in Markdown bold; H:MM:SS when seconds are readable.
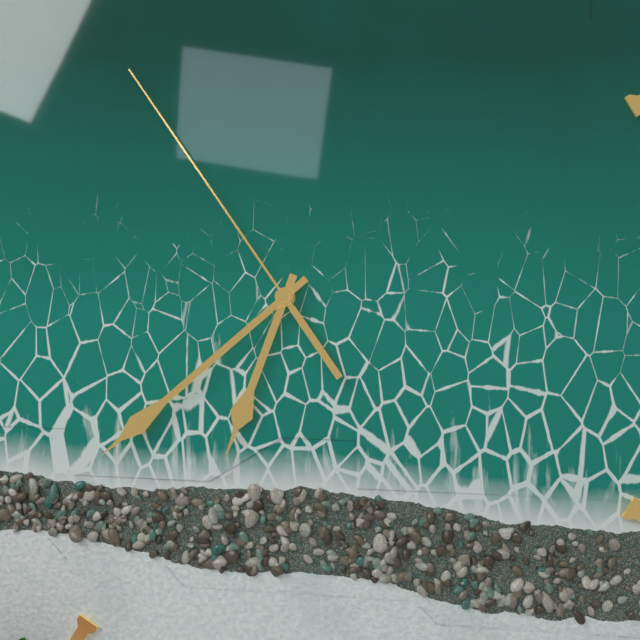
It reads **6:38:54**
